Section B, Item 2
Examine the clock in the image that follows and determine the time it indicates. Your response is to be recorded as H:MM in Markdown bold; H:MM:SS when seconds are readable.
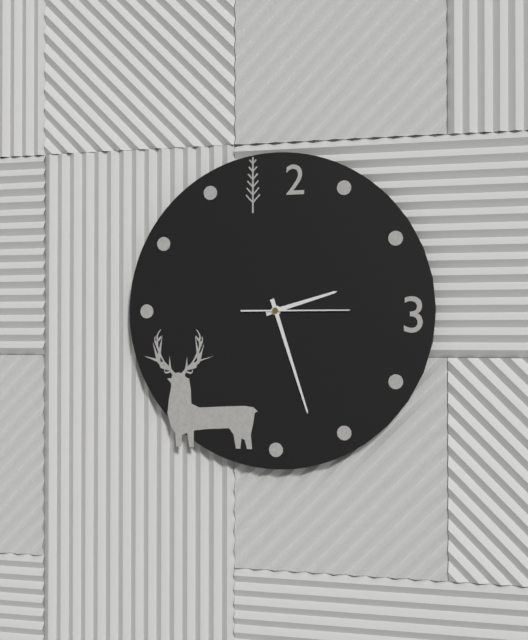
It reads **2:27:15**
